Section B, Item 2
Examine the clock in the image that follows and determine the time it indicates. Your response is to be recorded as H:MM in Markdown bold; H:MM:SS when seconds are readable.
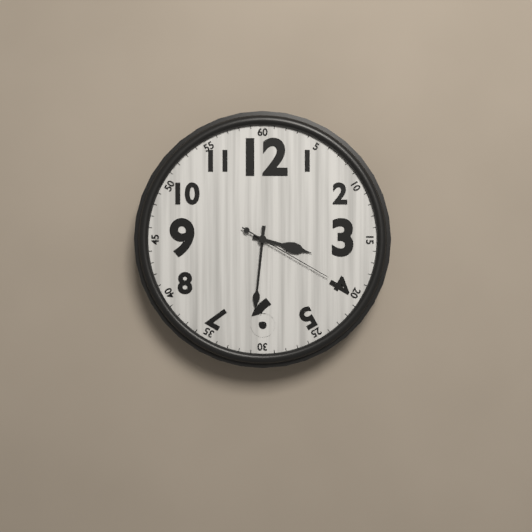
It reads **3:31:20**
